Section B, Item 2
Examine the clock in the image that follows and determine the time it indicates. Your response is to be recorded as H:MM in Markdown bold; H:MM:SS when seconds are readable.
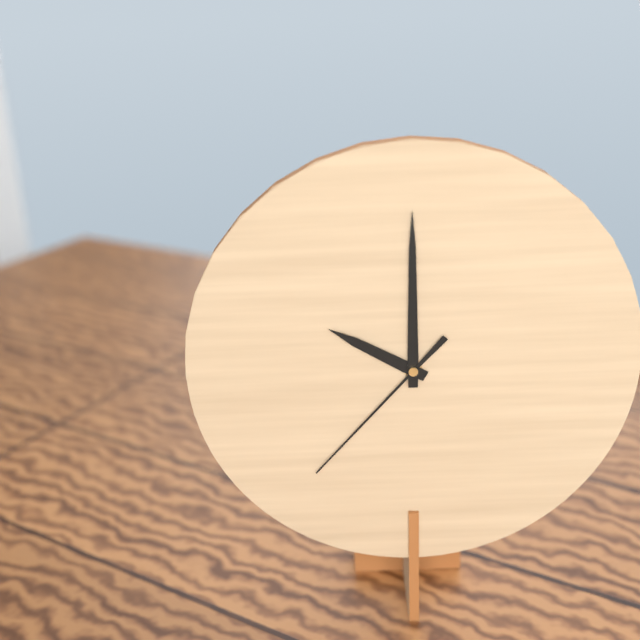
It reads **10:00:37**
